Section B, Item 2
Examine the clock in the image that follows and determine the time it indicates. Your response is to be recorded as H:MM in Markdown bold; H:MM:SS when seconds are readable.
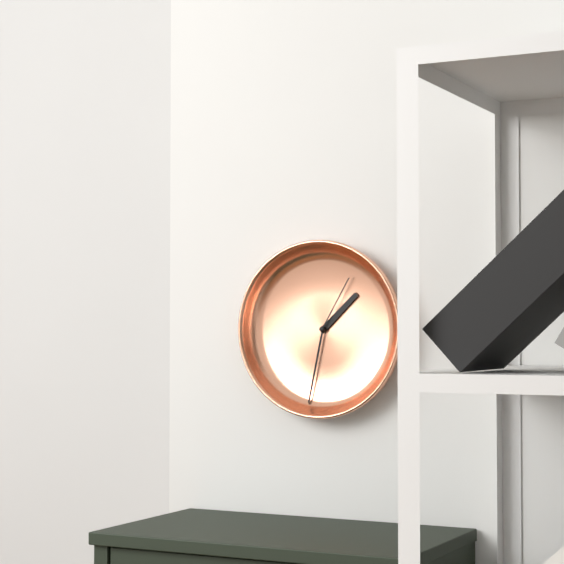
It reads **1:32:05**
